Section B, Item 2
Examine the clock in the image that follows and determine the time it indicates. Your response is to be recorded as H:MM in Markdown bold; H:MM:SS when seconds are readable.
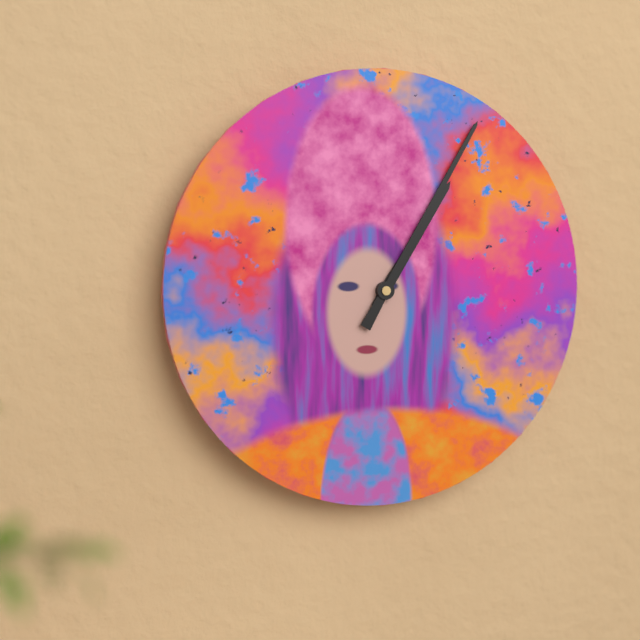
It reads **1:05**
